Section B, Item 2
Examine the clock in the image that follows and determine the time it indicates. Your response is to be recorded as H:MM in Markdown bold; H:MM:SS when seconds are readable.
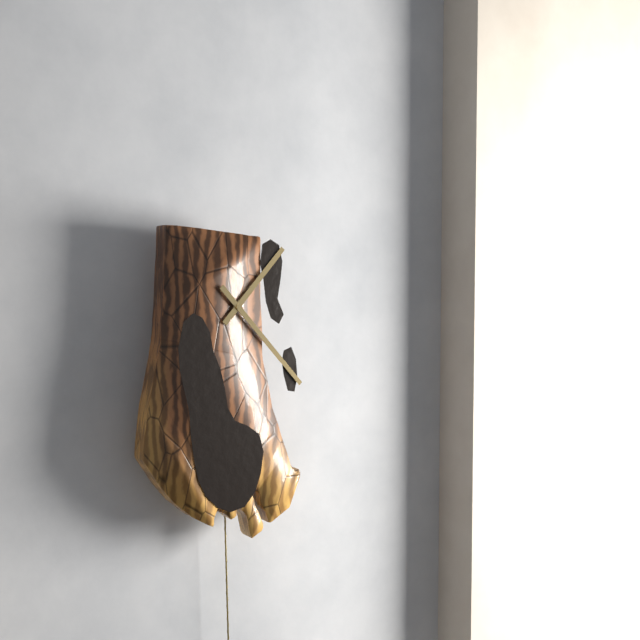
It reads **1:23**
